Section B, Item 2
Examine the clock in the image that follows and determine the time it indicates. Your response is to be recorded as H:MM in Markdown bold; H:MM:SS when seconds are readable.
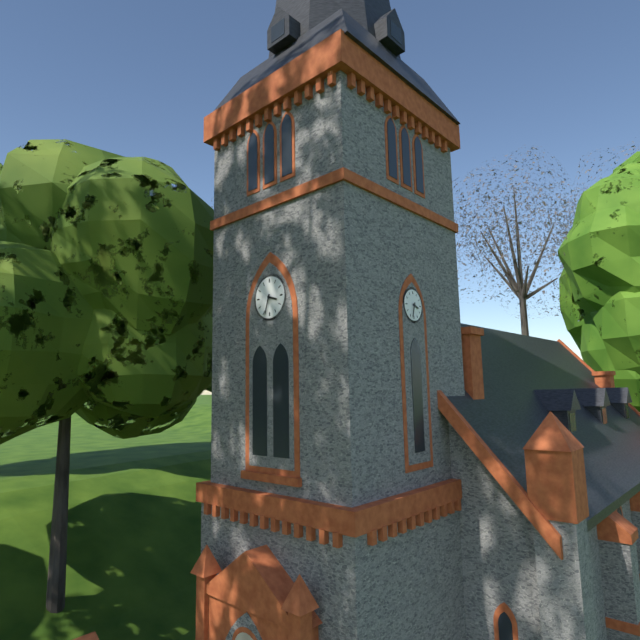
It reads **3:33**
